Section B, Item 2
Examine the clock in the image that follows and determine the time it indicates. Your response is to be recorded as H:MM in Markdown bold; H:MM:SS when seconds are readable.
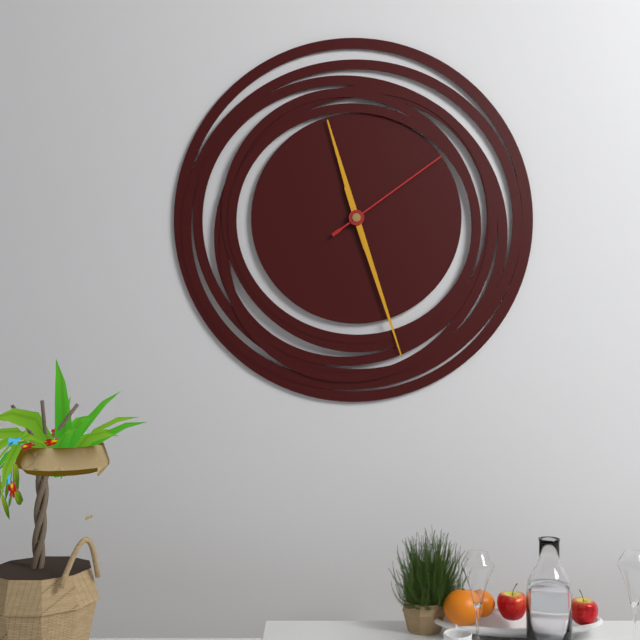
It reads **11:27:09**
